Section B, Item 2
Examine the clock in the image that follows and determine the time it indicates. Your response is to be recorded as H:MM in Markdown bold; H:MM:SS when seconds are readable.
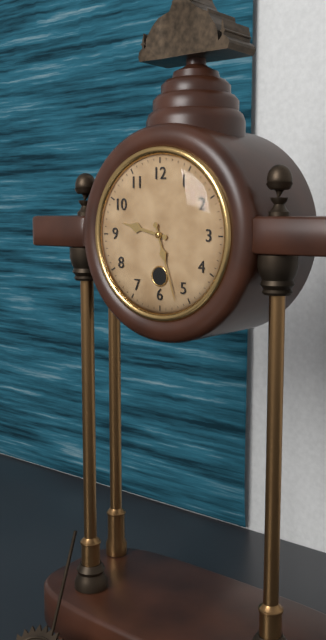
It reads **9:27**
